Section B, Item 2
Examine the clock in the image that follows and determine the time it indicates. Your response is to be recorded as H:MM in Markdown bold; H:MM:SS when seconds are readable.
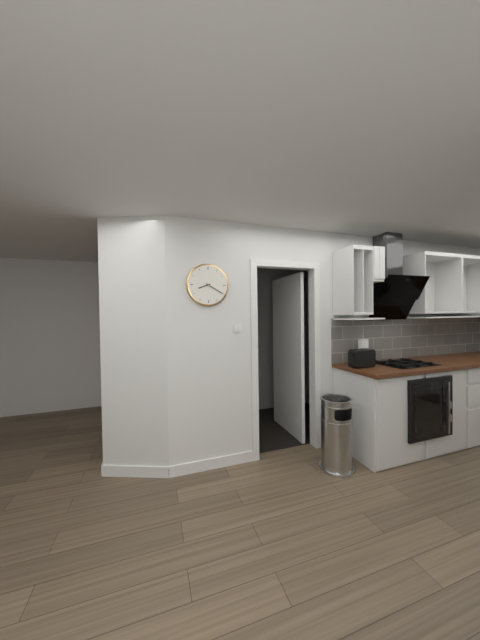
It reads **8:20**
